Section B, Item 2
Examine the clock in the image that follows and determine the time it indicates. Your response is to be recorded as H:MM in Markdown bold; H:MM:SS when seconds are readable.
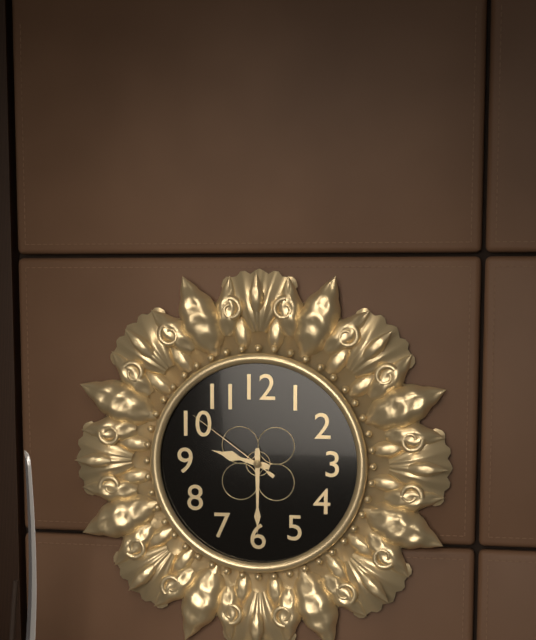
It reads **9:30:51**
